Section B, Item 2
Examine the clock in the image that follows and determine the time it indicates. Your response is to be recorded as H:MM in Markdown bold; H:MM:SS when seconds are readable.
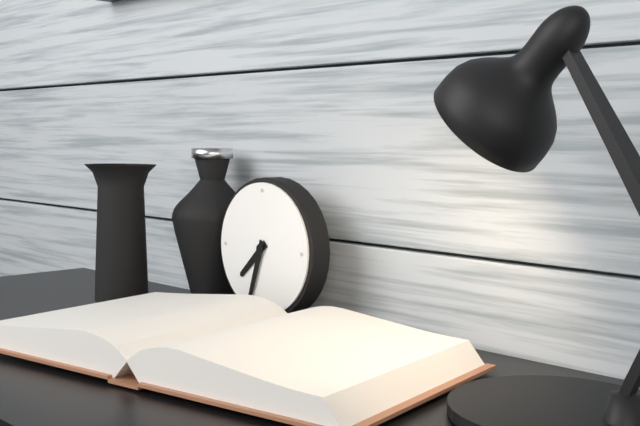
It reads **7:33**
